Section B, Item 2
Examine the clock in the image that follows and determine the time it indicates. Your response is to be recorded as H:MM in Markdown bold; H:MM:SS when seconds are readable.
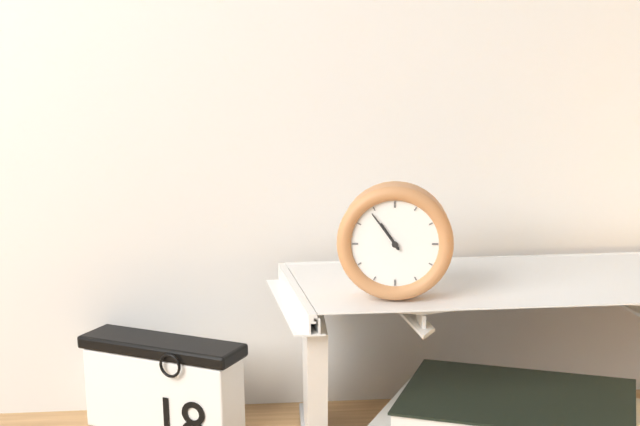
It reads **10:54**
